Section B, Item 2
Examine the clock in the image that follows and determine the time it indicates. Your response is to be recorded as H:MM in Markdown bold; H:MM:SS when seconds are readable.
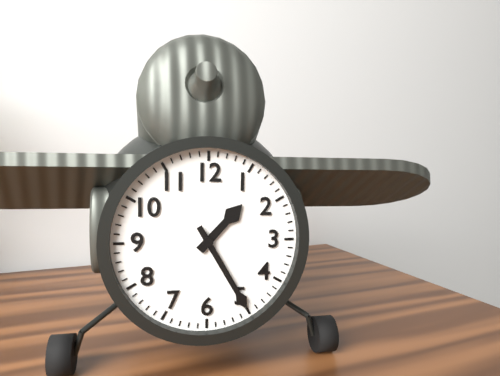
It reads **1:25**
